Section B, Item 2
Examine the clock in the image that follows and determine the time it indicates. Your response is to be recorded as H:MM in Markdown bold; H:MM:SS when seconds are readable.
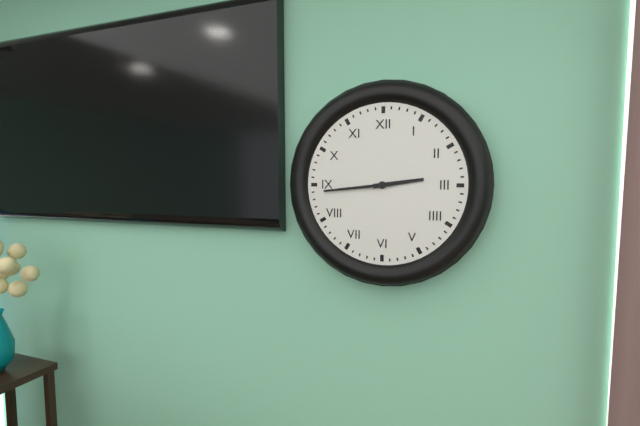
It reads **2:44**
